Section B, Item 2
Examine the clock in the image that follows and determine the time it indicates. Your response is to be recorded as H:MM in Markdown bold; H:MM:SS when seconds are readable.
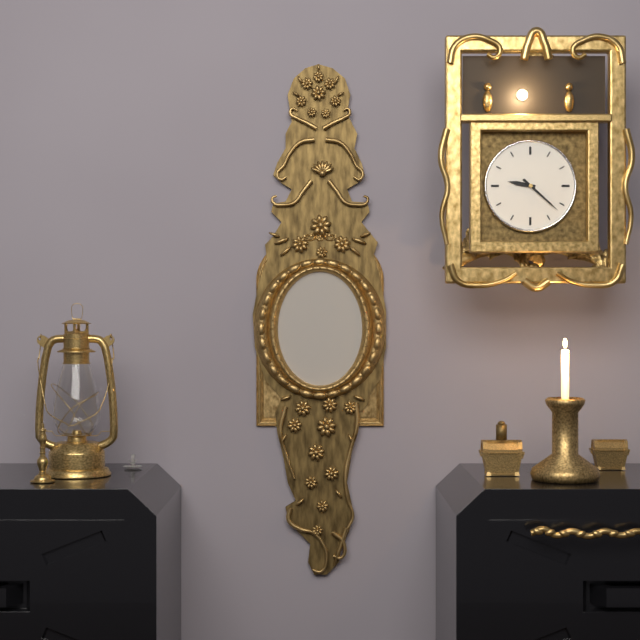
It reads **9:22**
